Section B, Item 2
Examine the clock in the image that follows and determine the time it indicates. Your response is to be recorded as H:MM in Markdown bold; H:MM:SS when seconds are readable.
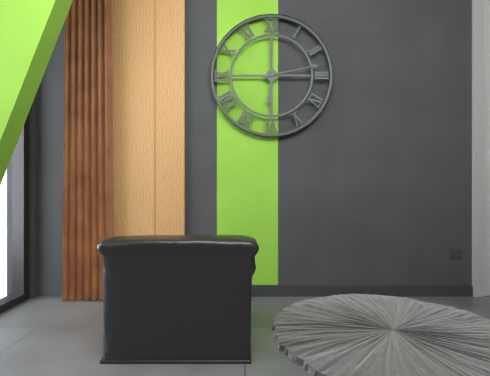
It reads **6:13**
